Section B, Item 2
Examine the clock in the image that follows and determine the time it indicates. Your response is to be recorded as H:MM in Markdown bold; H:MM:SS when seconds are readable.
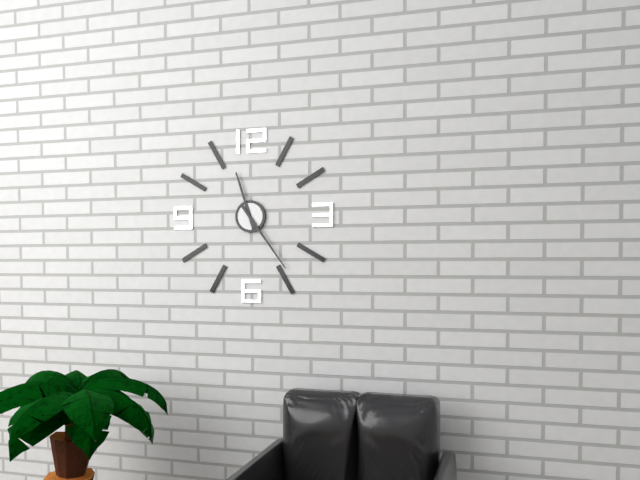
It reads **11:24**
